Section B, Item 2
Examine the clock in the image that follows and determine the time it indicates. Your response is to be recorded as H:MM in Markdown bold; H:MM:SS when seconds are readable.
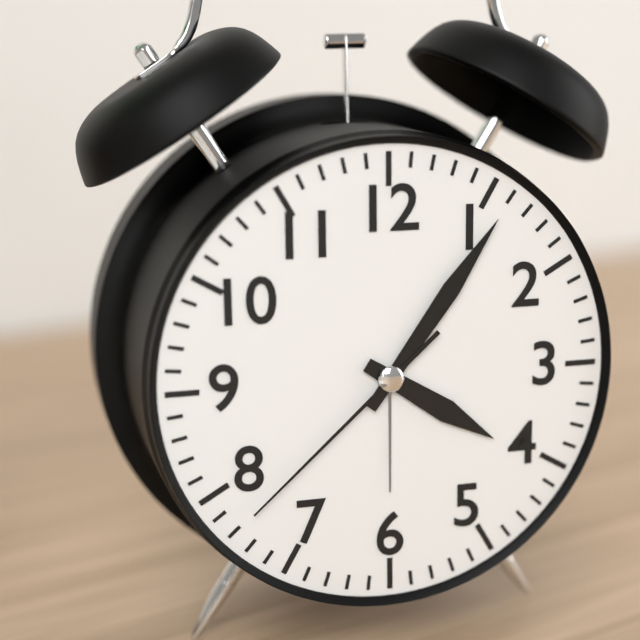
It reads **4:06:38**
